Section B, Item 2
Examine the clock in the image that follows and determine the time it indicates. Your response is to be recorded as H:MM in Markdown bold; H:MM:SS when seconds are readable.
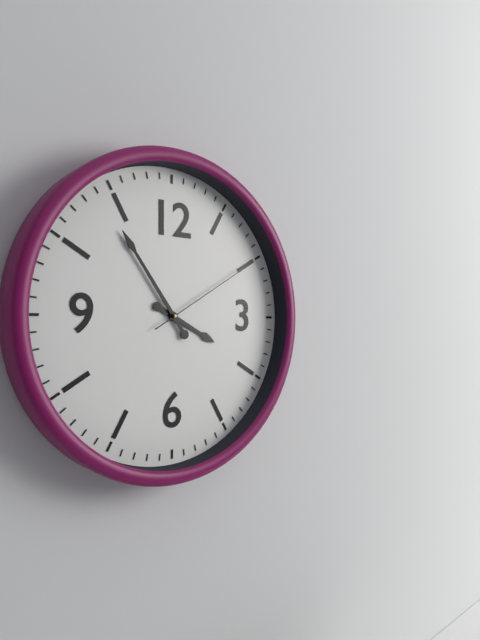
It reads **3:54:10**
